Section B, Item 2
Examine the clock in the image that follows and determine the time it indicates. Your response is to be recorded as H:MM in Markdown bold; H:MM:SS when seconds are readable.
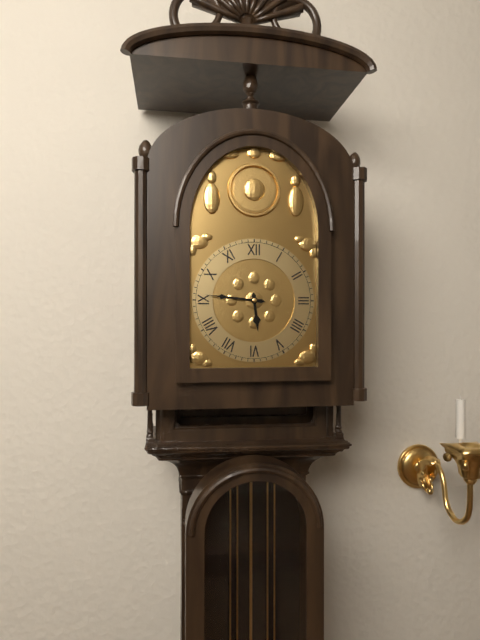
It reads **5:46**
